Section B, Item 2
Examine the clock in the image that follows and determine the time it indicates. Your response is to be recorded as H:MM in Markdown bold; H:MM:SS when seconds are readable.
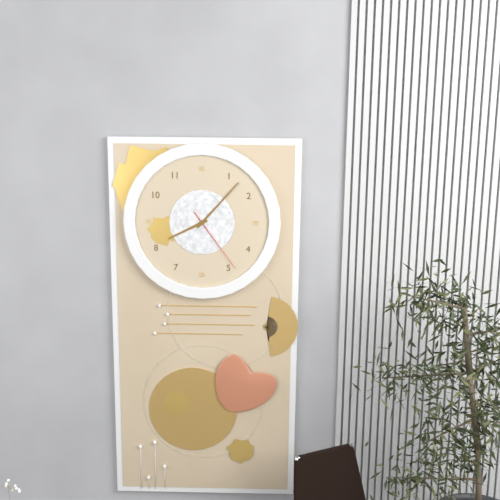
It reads **8:07:24**
